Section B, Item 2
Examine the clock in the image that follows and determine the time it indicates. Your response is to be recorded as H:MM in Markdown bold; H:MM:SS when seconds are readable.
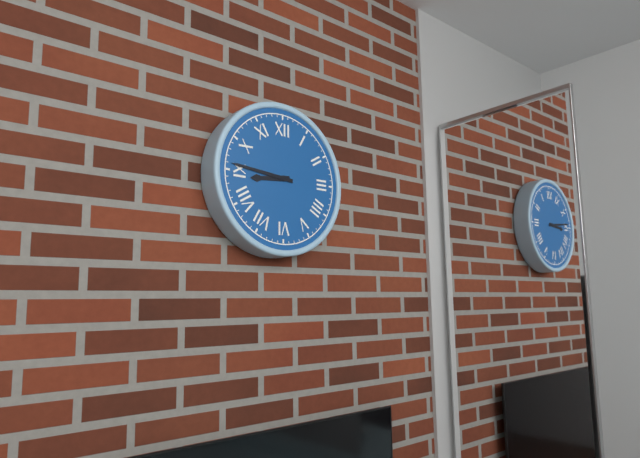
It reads **8:46**
